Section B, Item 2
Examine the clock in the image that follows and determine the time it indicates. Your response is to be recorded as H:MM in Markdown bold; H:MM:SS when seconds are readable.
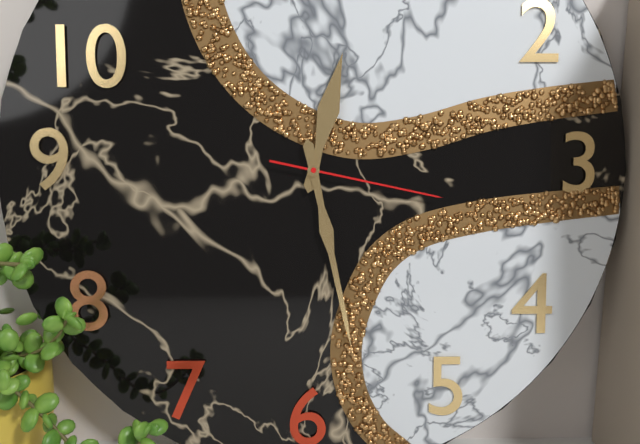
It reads **12:28:17**
